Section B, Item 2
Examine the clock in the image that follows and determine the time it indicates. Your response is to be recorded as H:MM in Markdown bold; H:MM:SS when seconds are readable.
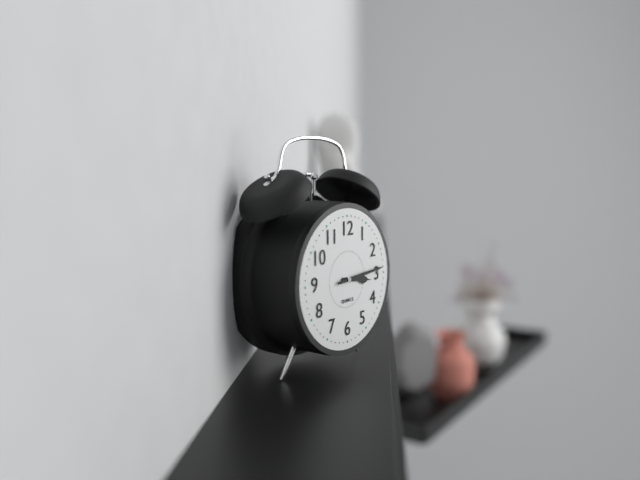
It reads **3:14**
